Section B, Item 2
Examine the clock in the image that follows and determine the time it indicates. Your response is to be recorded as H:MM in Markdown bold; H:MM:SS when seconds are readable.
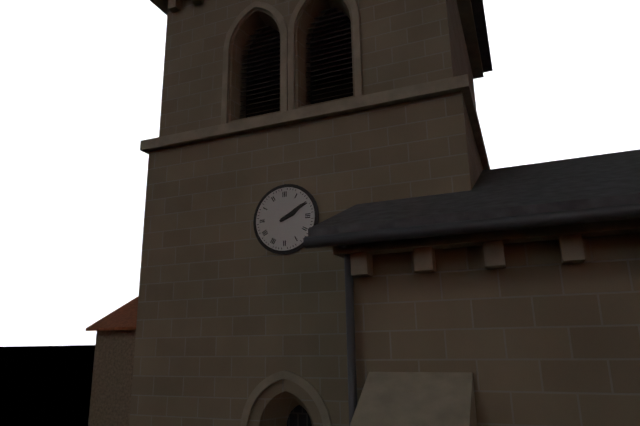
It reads **2:10**
